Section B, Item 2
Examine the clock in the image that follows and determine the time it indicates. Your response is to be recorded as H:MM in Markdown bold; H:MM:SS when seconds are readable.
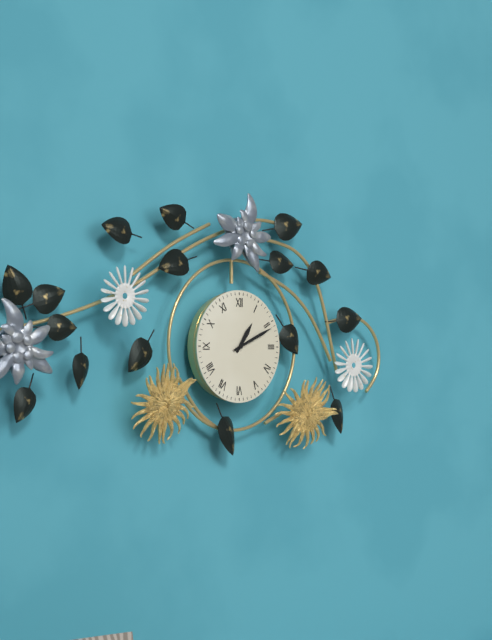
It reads **1:11**
